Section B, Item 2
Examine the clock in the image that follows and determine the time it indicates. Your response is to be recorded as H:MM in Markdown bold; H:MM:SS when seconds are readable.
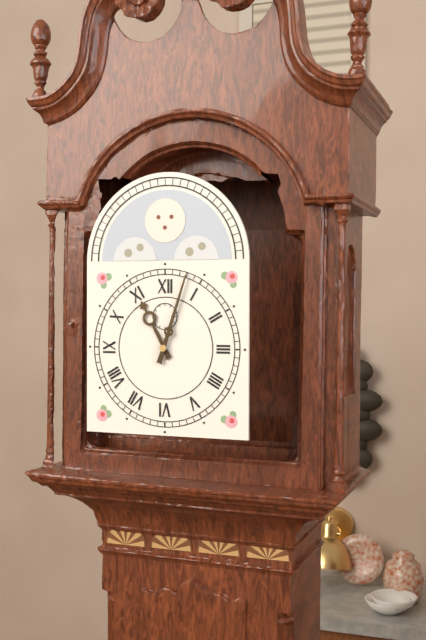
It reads **11:03**
